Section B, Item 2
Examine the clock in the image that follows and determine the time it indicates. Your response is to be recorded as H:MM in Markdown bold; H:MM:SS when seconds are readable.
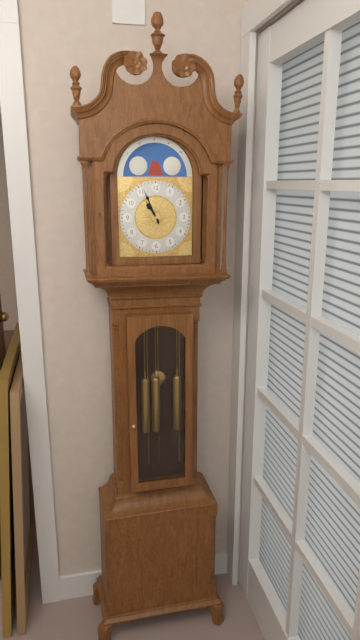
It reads **10:56**
